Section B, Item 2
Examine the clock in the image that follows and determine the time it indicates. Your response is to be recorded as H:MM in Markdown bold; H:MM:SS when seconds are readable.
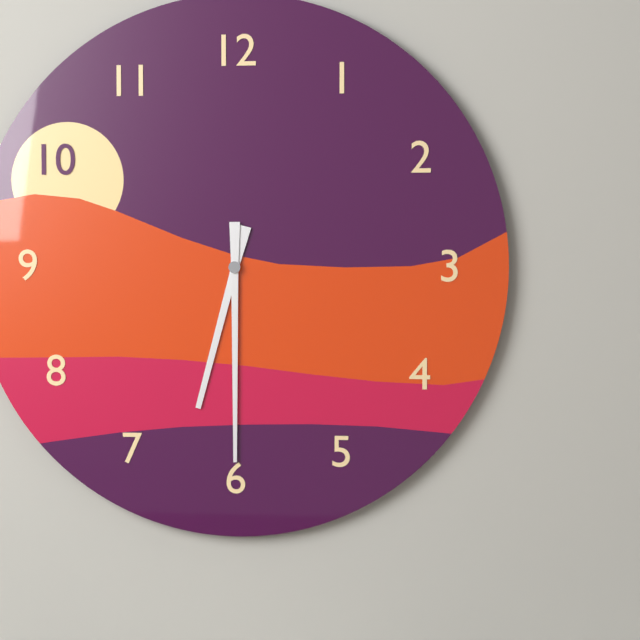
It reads **6:30**
